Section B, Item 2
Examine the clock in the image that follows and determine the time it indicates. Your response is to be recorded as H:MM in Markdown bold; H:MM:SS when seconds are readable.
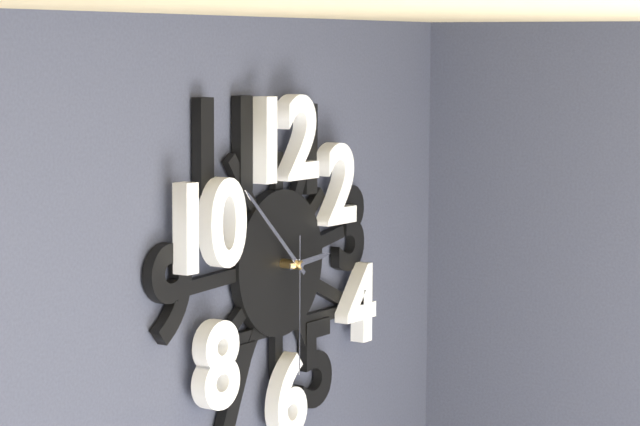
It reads **2:52:30**
